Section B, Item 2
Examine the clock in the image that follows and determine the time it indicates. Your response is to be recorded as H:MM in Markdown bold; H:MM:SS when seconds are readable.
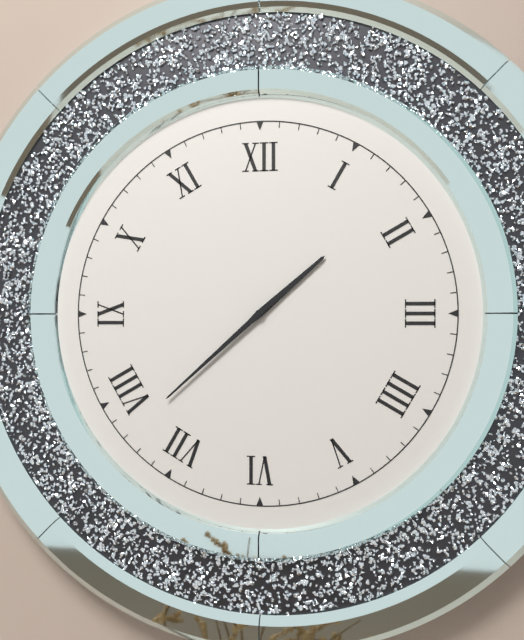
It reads **1:38**
